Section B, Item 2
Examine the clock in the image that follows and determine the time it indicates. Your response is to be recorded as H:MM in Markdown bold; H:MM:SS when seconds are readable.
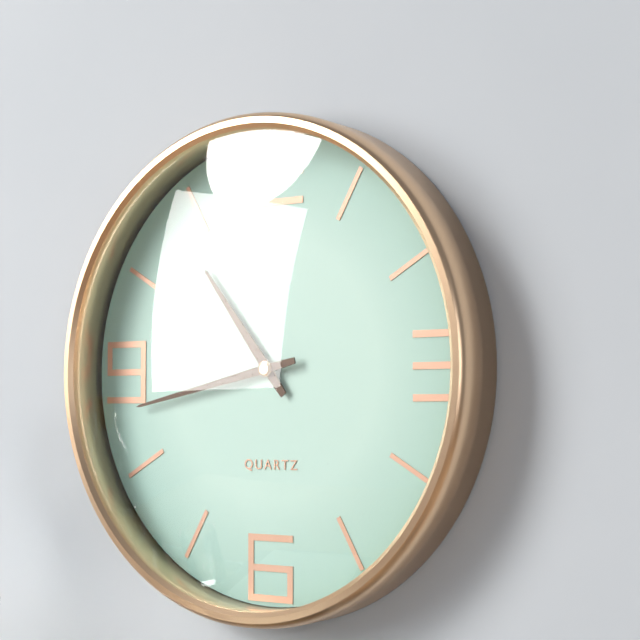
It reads **10:43**
